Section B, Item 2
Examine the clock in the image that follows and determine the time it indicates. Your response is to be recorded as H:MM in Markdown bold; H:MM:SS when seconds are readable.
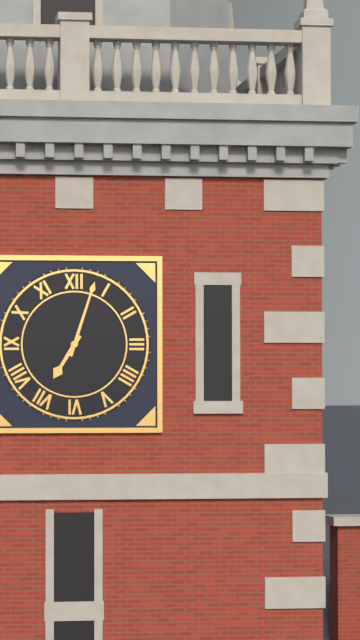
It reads **7:03**
